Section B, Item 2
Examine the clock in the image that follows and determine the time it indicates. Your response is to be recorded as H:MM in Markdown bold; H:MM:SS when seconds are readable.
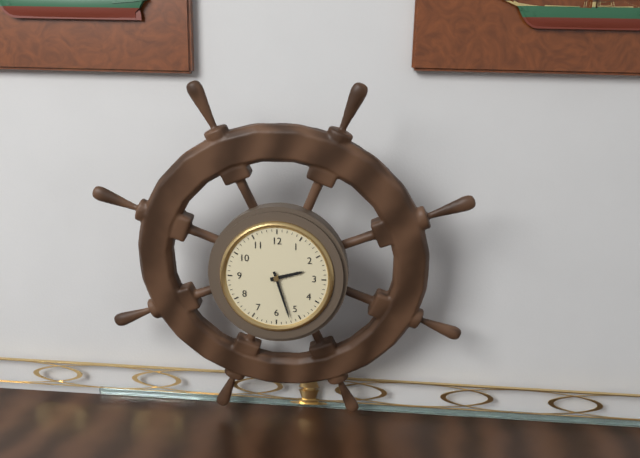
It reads **2:27**
